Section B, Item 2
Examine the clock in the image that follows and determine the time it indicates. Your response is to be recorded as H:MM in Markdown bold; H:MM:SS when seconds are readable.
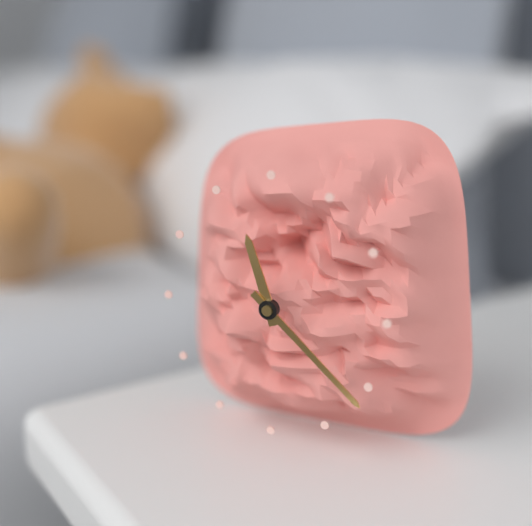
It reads **11:22**
